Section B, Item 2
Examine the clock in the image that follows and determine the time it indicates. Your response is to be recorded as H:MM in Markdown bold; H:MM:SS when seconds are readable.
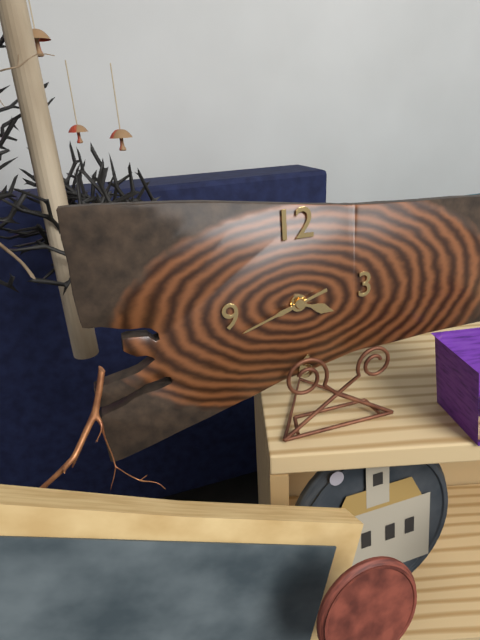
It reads **3:42**
